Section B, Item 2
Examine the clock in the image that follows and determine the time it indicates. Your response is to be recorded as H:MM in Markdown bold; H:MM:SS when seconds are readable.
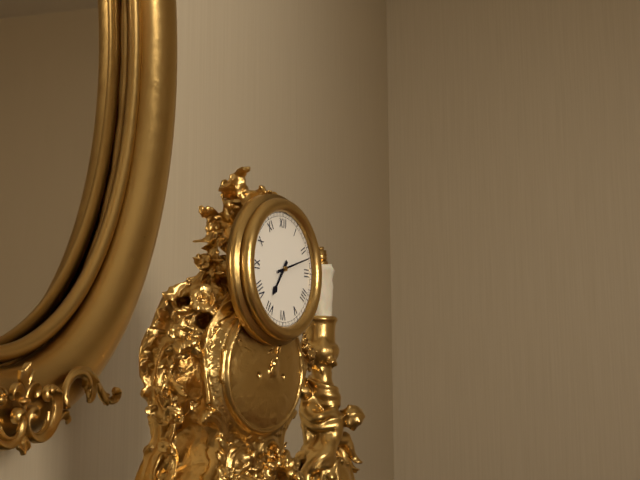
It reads **7:12**
